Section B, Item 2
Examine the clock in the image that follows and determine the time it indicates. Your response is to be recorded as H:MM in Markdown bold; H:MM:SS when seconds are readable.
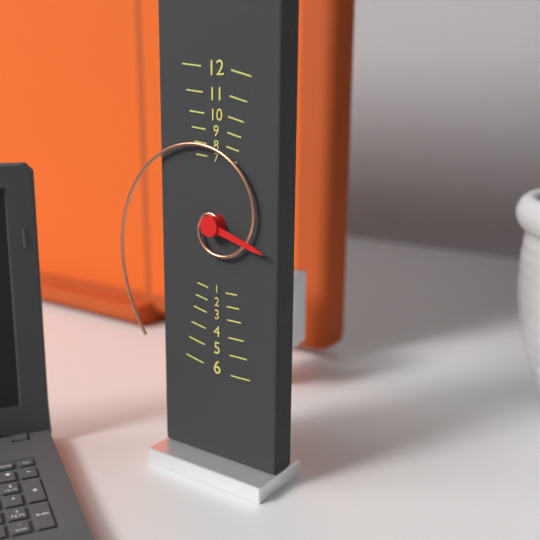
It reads **3:36**
